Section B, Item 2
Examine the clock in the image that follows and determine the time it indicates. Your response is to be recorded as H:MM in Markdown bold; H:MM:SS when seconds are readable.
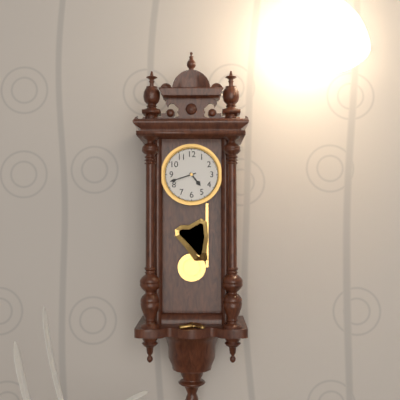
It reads **4:42**
